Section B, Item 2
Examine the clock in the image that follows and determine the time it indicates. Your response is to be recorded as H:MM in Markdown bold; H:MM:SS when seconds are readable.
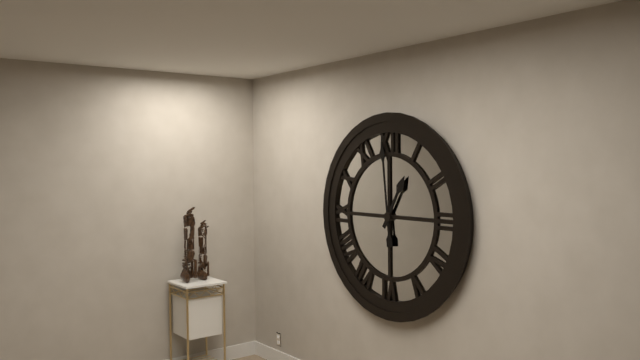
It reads **12:59**
